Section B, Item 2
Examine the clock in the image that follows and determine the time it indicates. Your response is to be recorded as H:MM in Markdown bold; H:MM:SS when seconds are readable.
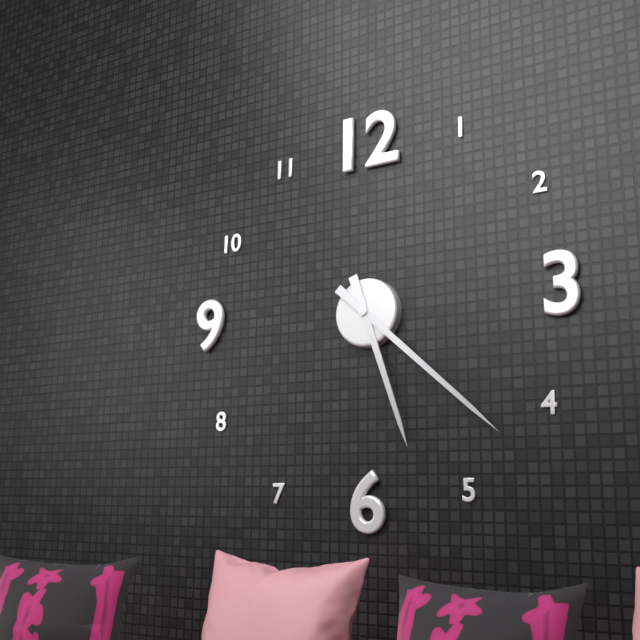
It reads **5:22**
